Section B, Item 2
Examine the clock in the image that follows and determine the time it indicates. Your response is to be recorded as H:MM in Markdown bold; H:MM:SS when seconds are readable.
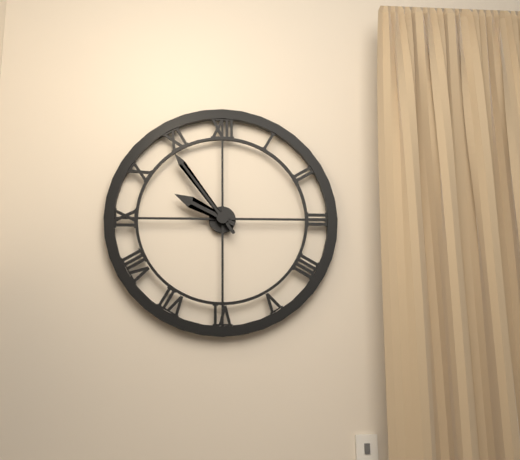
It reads **9:54**
